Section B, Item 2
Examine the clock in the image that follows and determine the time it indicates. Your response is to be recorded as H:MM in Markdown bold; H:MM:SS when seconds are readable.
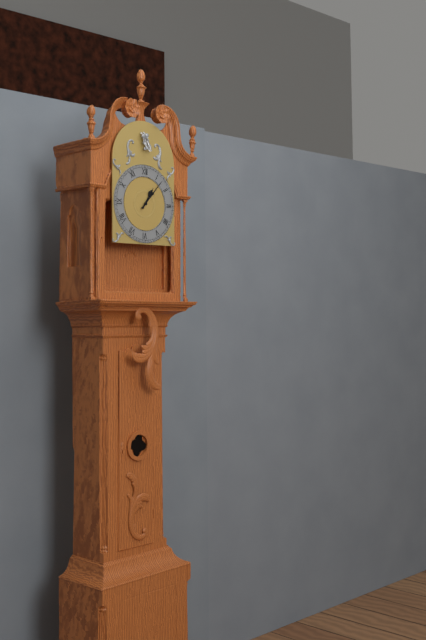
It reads **1:07**
